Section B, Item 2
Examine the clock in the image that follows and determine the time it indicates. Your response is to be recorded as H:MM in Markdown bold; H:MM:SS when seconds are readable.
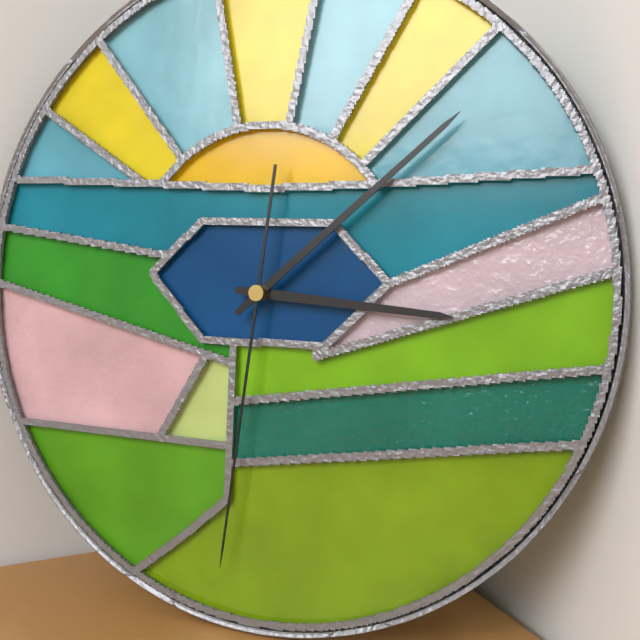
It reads **3:08:31**
